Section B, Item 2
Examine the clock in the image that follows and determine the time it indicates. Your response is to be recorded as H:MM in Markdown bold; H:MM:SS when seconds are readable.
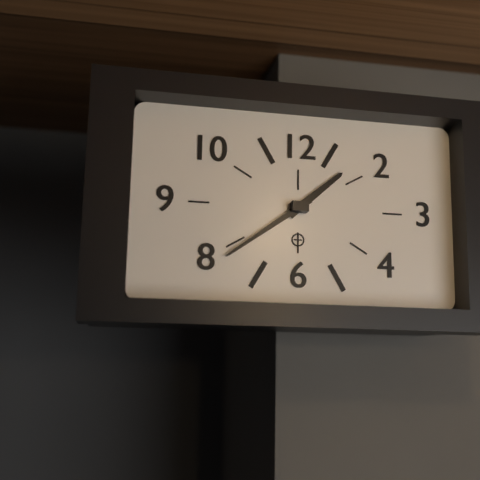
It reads **1:39**
